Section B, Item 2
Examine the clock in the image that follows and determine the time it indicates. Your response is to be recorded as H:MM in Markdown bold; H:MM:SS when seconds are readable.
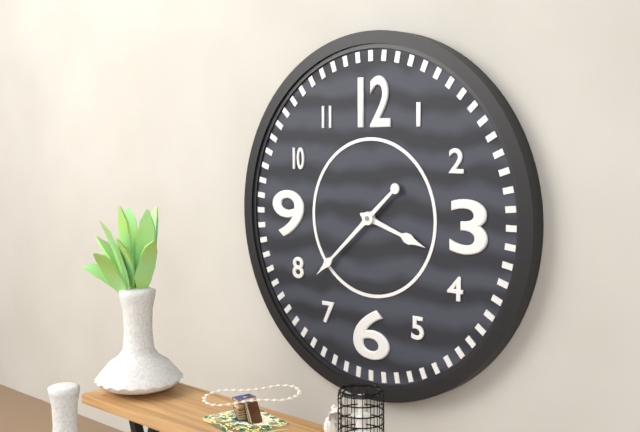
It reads **3:38**
